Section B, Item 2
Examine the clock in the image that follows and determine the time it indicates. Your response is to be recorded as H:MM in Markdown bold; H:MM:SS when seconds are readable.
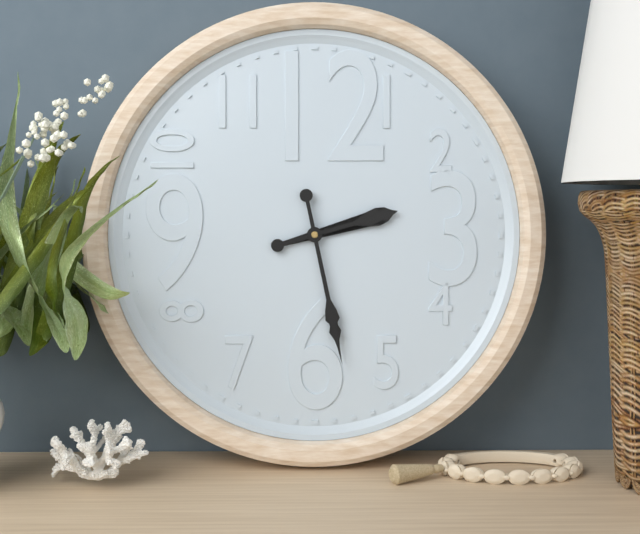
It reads **2:28**
